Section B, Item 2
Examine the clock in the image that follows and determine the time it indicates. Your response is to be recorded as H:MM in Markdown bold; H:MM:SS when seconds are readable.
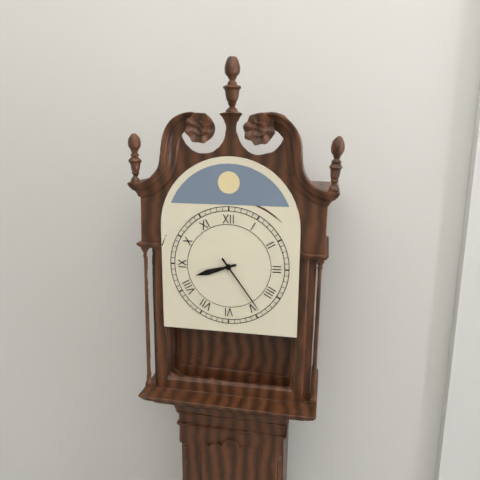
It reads **8:24**
